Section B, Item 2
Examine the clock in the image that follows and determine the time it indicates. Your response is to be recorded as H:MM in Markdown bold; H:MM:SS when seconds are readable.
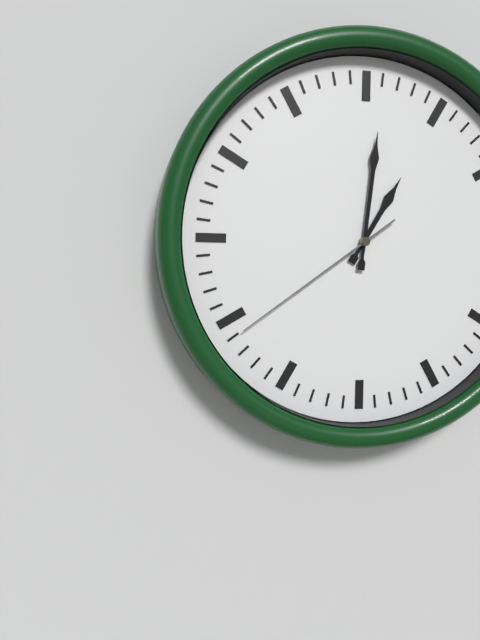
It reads **1:01:39**
